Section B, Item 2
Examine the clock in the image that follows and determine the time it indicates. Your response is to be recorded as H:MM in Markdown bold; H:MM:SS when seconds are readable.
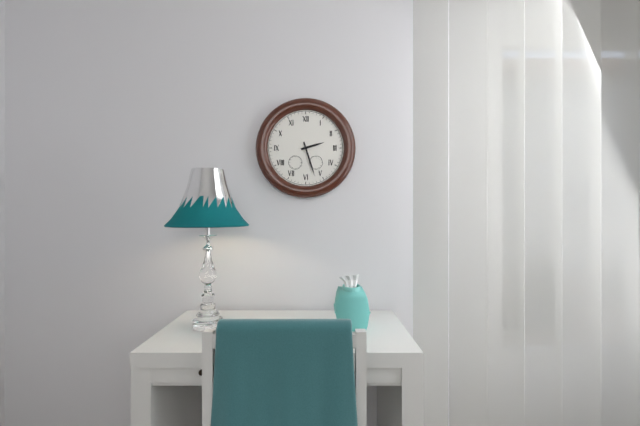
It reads **2:27**
